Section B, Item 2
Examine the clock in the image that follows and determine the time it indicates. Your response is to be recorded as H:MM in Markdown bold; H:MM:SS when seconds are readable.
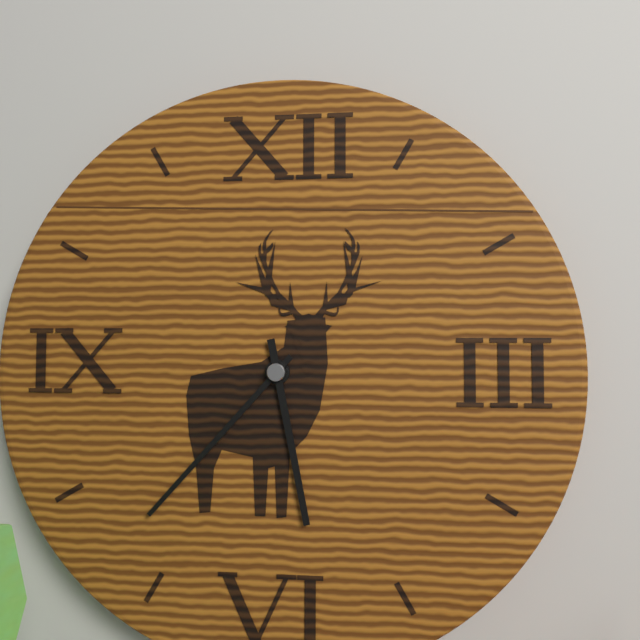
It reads **5:37**
